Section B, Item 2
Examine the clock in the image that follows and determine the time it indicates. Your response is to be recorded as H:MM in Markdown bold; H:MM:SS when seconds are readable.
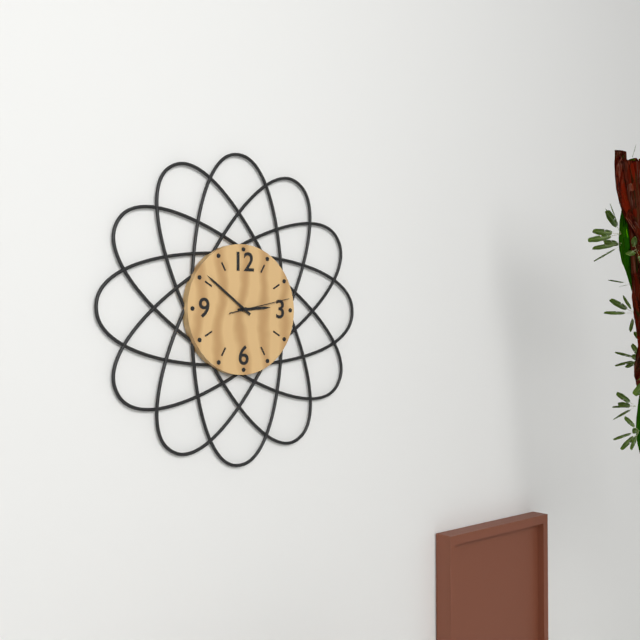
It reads **2:51:13**
